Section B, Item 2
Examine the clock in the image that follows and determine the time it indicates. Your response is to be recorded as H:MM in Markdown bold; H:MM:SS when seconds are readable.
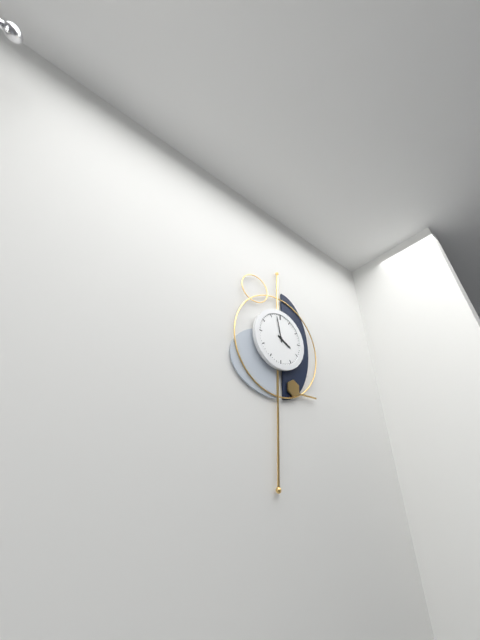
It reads **3:58**
